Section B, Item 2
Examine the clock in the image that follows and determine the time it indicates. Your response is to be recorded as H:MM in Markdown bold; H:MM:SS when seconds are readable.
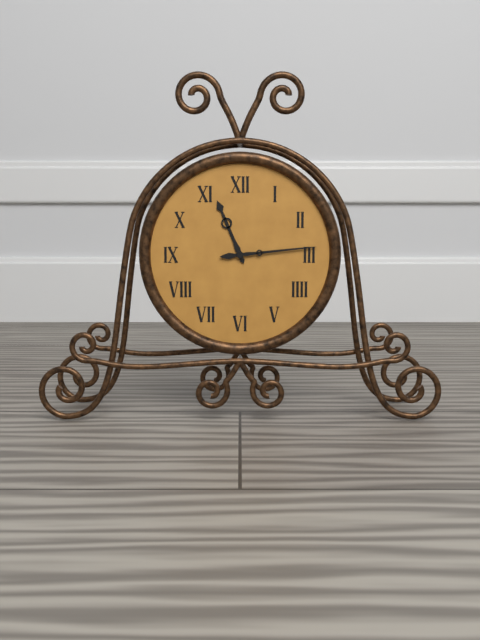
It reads **11:14**
